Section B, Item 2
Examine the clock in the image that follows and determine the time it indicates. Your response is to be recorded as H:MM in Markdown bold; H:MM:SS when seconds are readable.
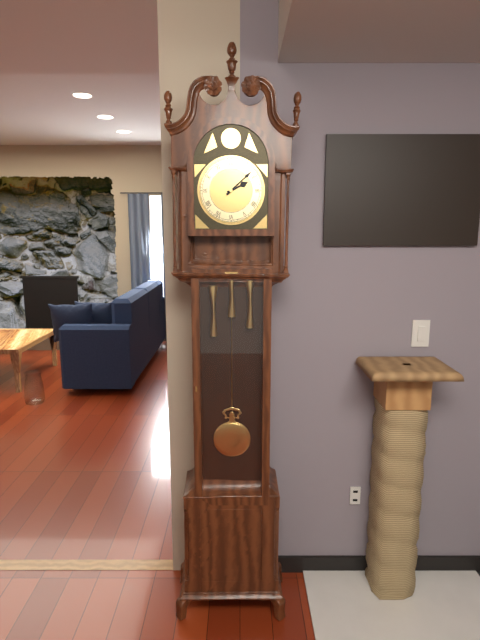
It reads **2:08**
